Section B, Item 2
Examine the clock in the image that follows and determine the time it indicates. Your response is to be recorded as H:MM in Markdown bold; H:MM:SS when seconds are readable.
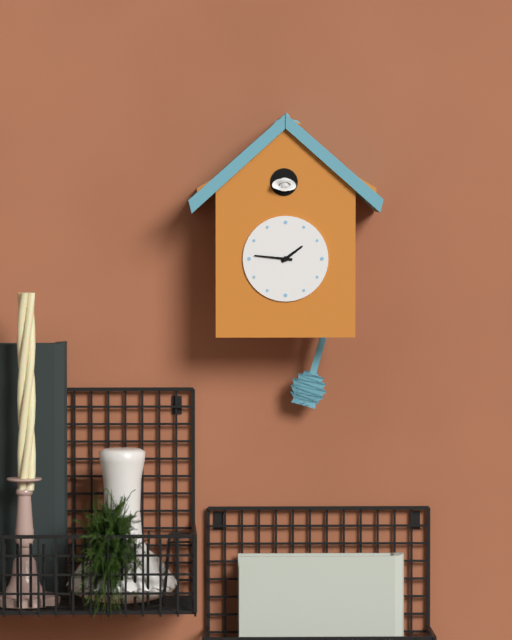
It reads **1:46**
